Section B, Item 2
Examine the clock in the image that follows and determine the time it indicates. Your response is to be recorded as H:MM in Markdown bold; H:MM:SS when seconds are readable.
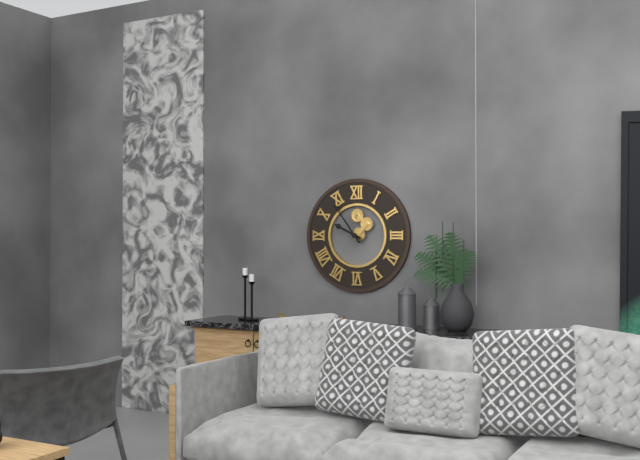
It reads **9:54**
